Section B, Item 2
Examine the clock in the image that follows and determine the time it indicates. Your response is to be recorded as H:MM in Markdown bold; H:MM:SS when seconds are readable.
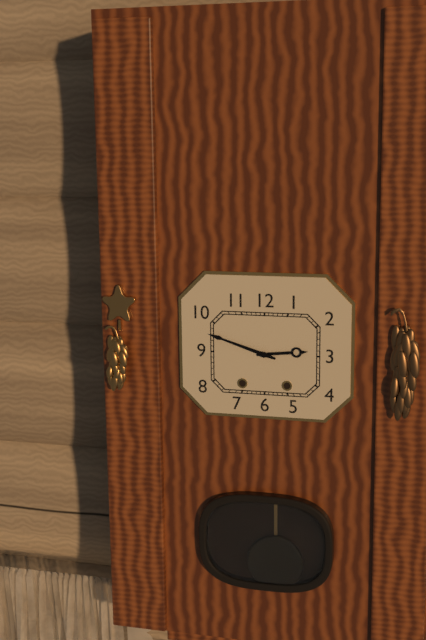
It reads **2:48**
